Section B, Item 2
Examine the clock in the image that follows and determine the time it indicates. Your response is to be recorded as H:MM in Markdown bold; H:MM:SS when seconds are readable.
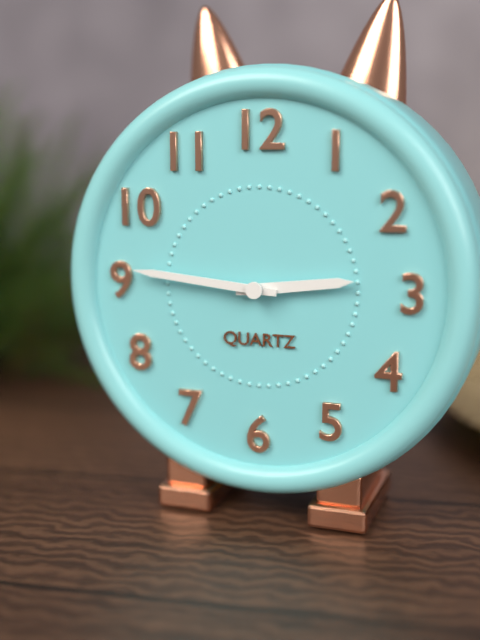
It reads **2:46**
